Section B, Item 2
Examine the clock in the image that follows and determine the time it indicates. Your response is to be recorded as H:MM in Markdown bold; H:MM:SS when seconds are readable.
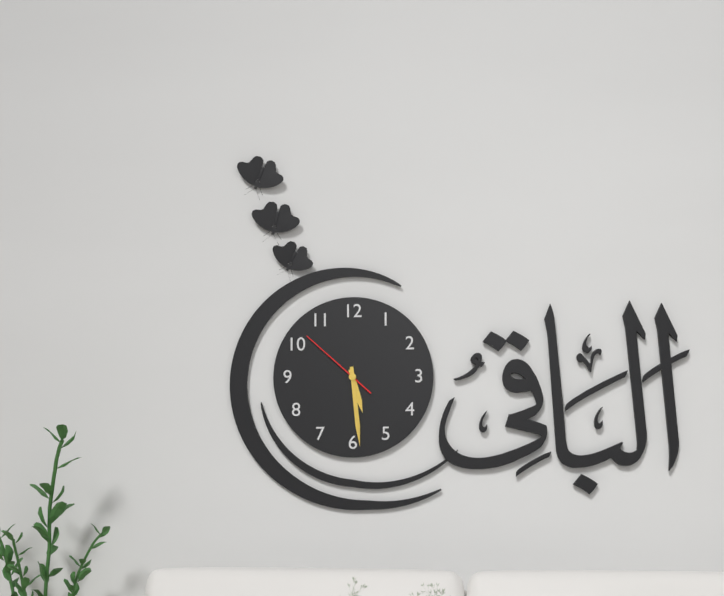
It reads **5:29:52**
